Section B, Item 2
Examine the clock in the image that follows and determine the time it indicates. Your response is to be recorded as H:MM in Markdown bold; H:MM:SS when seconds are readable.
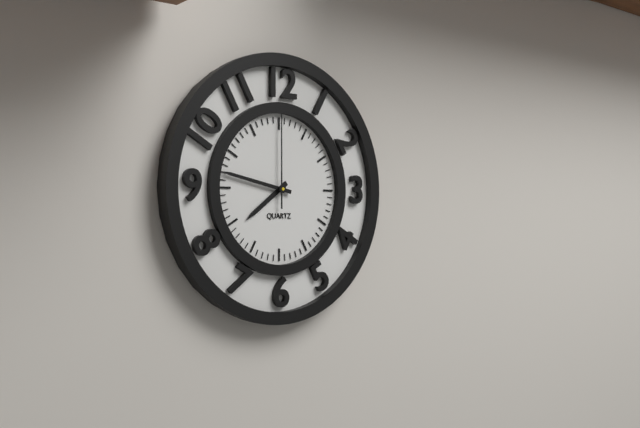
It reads **7:47:00**
